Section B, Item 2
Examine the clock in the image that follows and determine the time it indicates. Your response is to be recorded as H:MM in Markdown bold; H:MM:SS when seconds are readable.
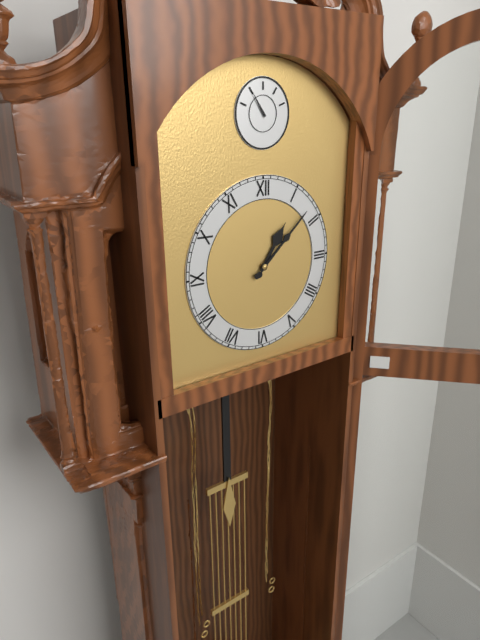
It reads **1:08**
